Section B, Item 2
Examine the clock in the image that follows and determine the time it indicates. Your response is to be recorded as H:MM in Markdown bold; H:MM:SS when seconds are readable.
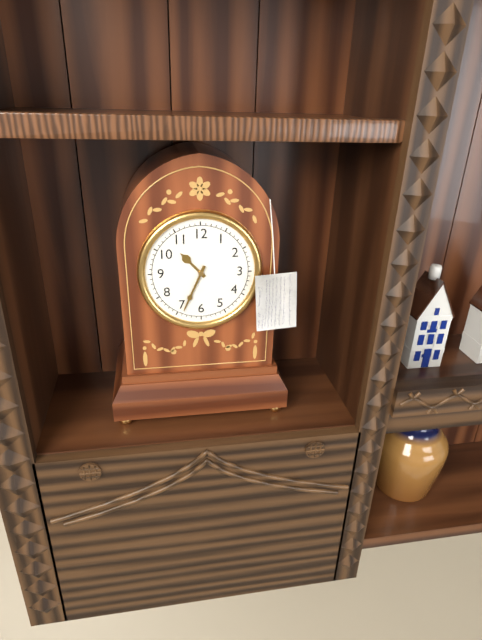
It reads **10:34**
